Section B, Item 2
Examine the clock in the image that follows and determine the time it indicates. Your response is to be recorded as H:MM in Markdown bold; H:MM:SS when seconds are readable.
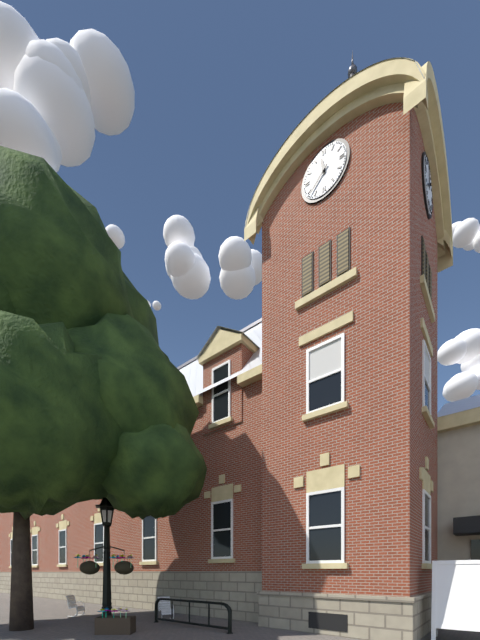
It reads **11:38**
